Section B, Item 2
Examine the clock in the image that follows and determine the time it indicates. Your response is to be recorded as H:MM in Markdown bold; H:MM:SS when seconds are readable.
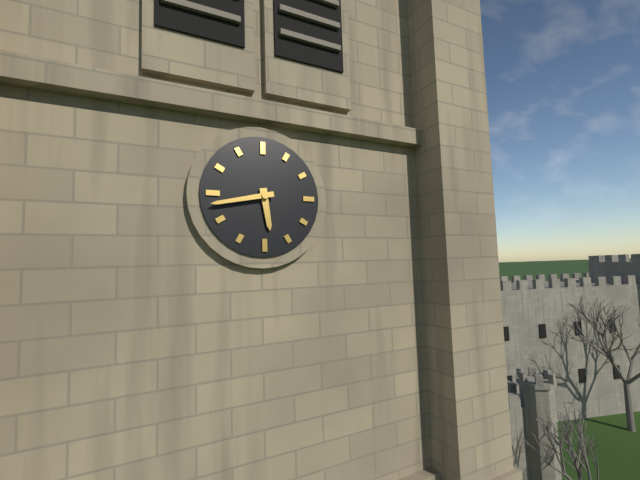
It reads **5:43**
